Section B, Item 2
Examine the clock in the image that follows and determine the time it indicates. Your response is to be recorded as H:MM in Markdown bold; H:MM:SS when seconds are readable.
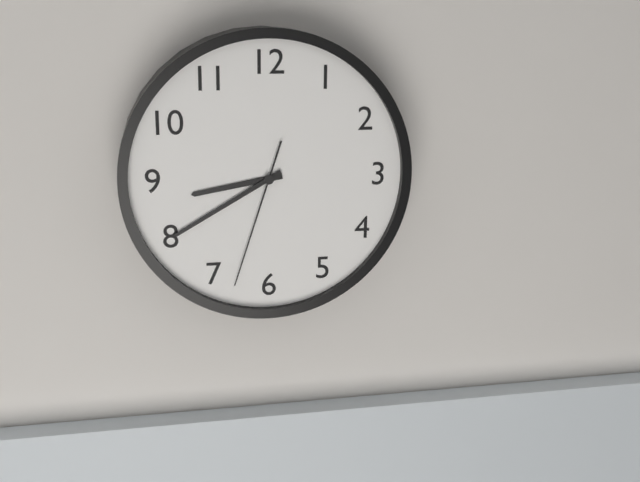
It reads **8:40:33**
